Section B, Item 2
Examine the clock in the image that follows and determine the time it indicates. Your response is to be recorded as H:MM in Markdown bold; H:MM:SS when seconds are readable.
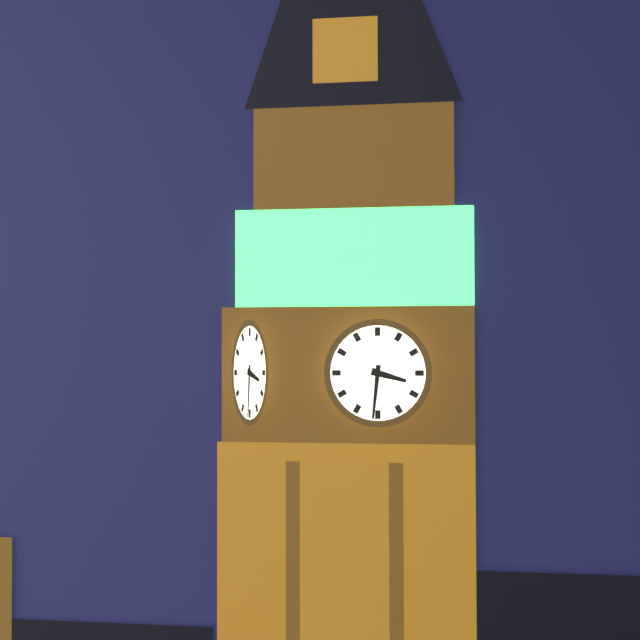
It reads **3:31**
